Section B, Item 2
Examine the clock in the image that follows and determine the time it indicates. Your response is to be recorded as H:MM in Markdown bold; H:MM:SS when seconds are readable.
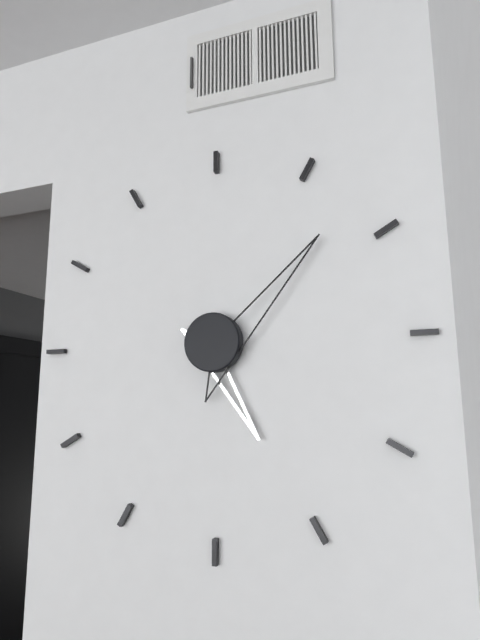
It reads **5:08**
